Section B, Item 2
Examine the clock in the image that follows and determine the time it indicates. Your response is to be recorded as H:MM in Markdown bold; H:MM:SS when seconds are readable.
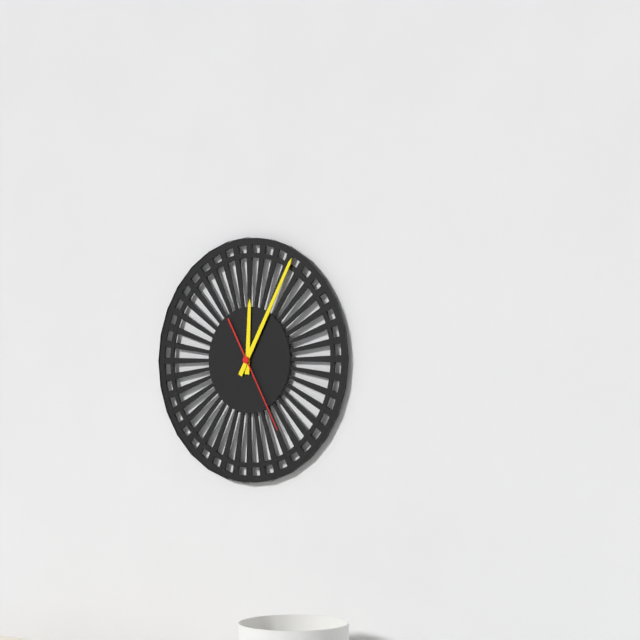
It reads **12:05:25**
